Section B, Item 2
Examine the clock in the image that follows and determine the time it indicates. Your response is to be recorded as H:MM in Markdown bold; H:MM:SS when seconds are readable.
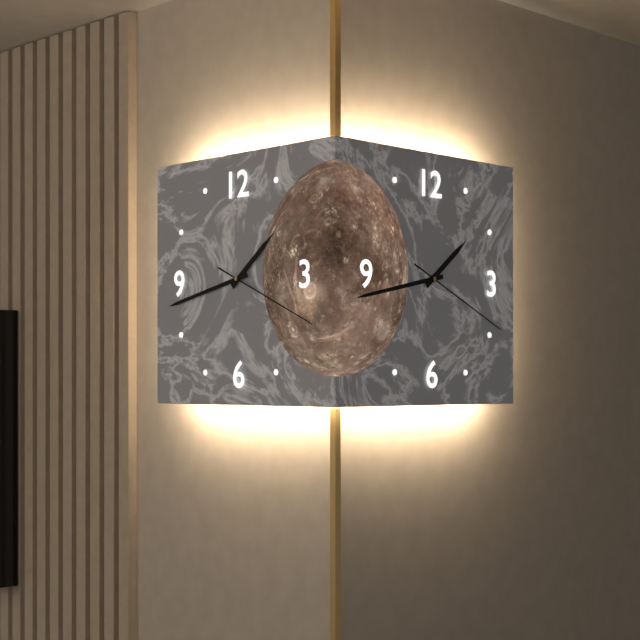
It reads **1:43:19**
